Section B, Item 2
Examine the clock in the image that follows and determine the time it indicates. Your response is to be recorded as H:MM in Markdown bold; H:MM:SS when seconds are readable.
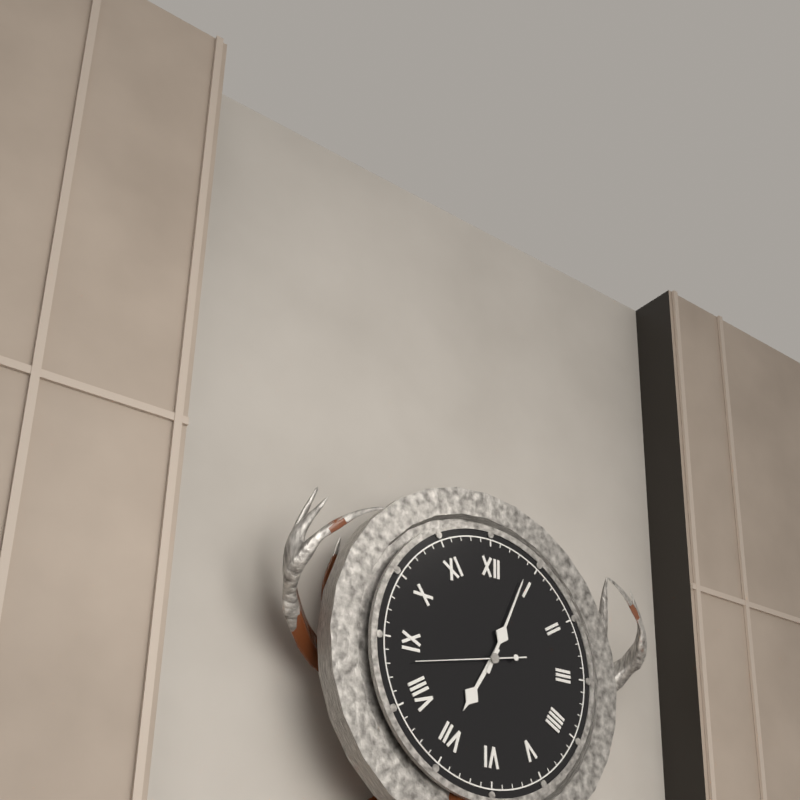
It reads **7:04:43**
